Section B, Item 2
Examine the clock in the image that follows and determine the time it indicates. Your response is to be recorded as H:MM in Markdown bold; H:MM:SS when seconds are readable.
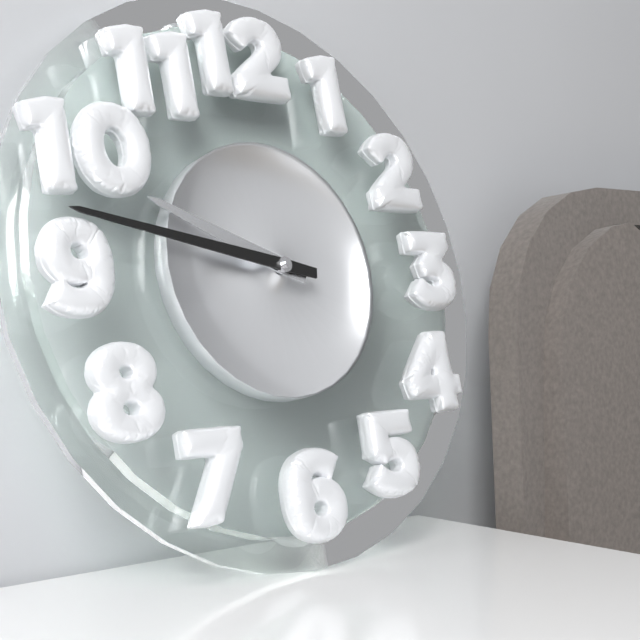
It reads **9:47**
